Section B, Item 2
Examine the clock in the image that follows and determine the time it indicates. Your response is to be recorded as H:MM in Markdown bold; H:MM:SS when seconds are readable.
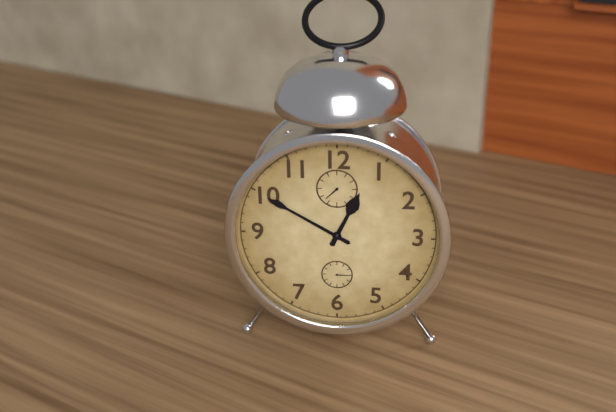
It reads **12:50**
